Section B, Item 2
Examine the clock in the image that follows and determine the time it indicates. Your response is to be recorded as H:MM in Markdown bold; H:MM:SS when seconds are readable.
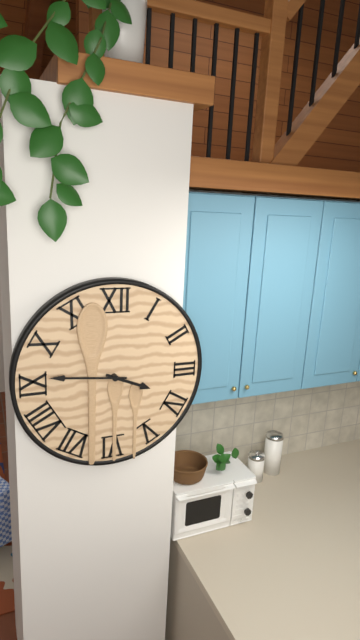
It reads **3:46**
